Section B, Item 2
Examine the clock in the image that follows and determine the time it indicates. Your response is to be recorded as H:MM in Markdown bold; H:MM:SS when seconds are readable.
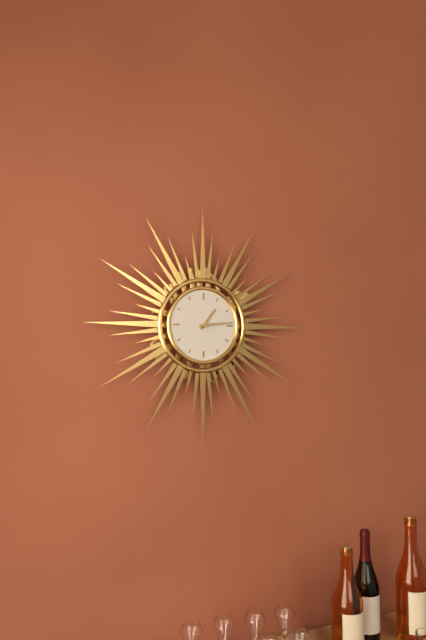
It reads **1:14**
